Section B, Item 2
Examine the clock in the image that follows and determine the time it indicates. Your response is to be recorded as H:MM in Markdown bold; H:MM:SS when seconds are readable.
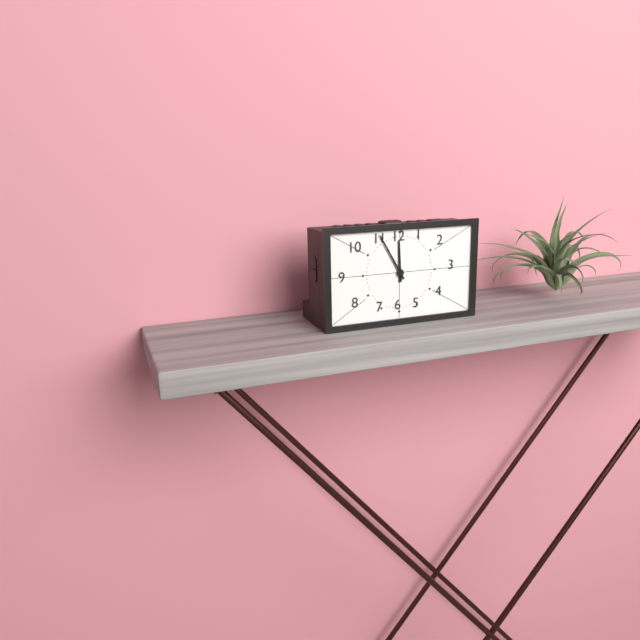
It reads **11:55**
